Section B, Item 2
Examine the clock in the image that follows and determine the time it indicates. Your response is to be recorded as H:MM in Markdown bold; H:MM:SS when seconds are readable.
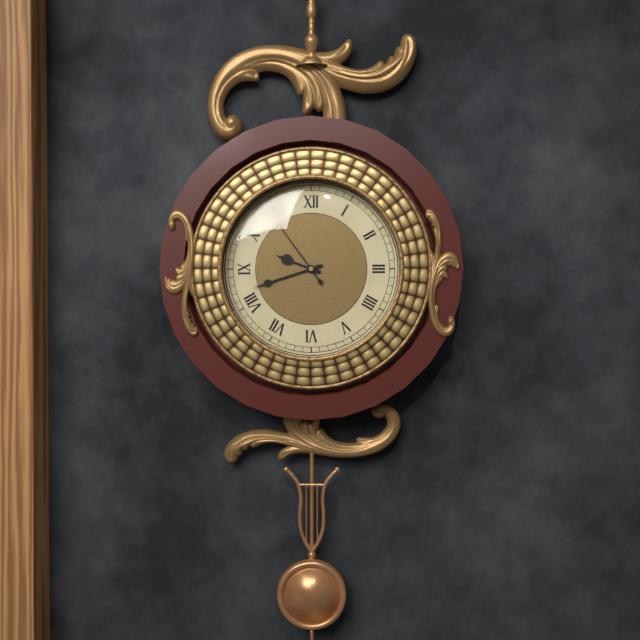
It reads **9:42:54**
